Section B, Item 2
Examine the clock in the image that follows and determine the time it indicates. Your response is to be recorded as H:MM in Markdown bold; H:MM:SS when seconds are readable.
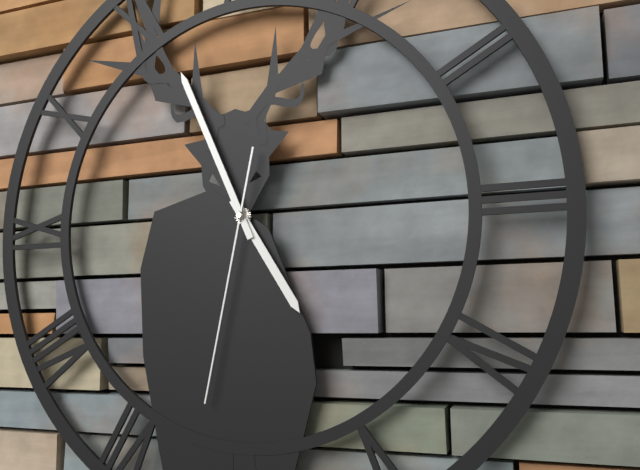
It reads **4:56:32**
